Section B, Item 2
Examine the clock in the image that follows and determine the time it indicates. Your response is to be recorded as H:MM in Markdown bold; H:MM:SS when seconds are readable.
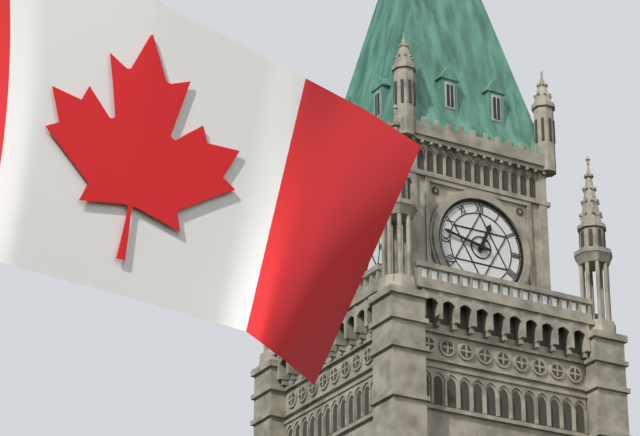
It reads **12:47**
